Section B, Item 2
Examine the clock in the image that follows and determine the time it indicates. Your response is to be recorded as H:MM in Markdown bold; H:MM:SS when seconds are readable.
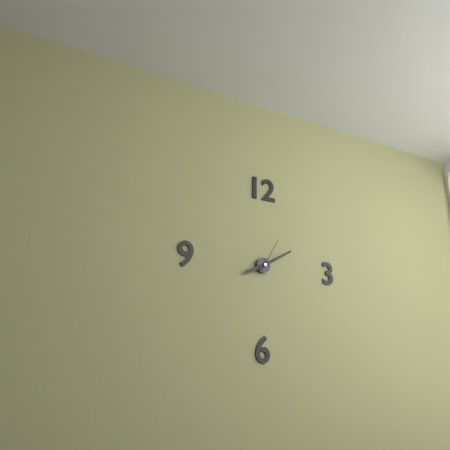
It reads **8:10**
